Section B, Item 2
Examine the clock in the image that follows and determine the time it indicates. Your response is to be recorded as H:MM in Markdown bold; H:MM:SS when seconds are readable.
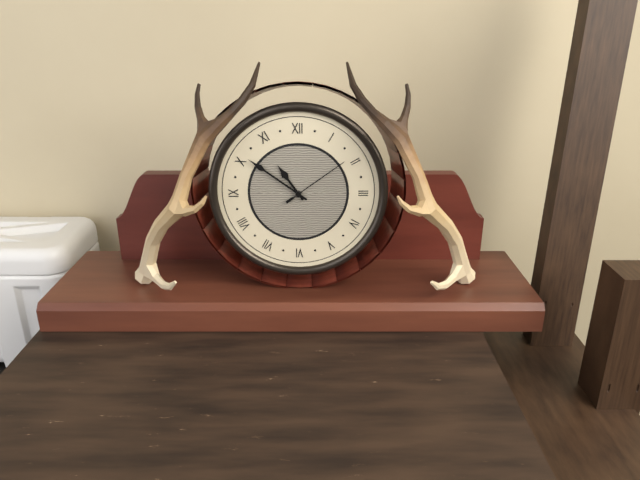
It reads **10:51:09**
